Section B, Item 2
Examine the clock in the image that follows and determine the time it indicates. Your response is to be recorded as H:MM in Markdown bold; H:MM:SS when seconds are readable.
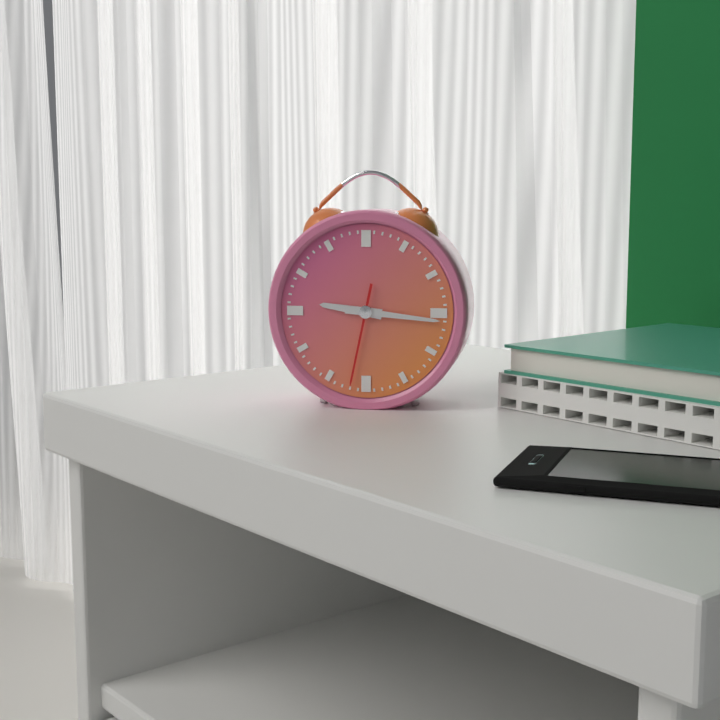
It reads **9:16:32**
